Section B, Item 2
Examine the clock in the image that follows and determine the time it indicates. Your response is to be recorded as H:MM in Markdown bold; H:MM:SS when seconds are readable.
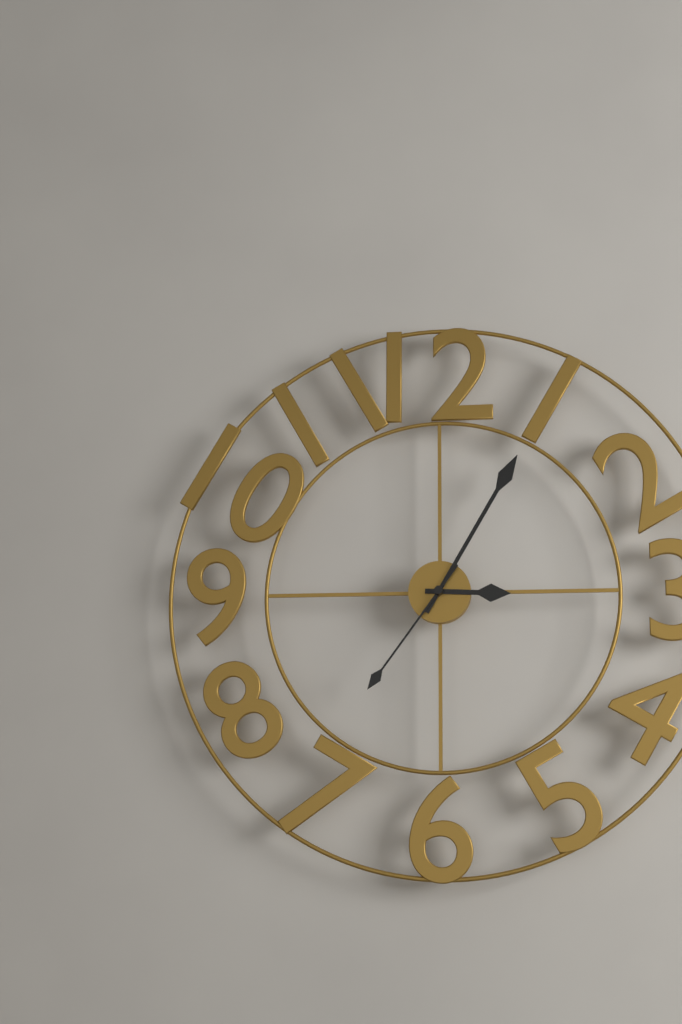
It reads **3:05:36**
